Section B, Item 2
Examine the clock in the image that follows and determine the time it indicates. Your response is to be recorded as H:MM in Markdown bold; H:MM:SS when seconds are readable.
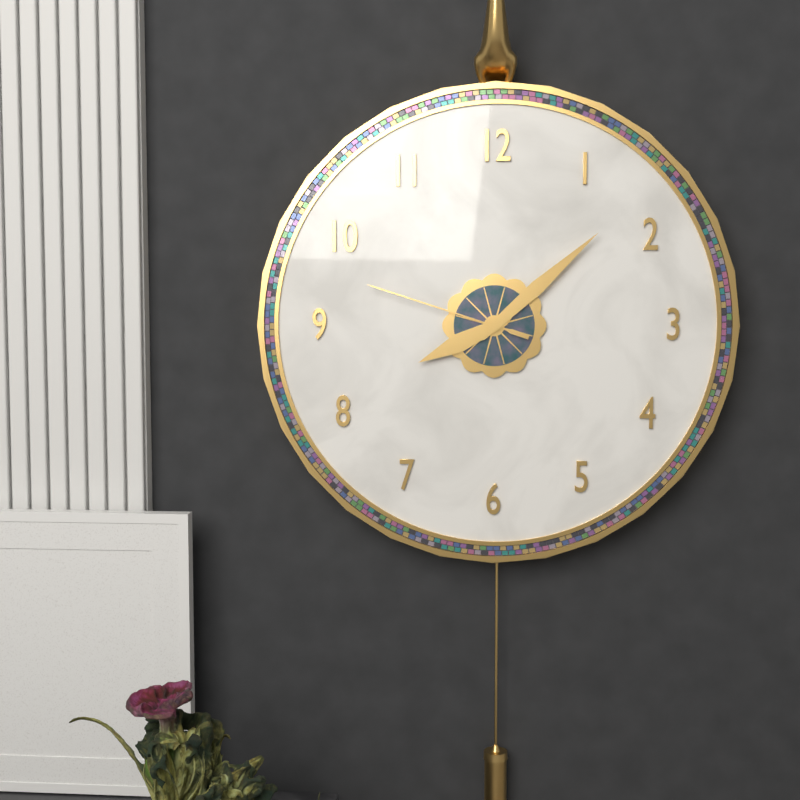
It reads **8:08:48**
